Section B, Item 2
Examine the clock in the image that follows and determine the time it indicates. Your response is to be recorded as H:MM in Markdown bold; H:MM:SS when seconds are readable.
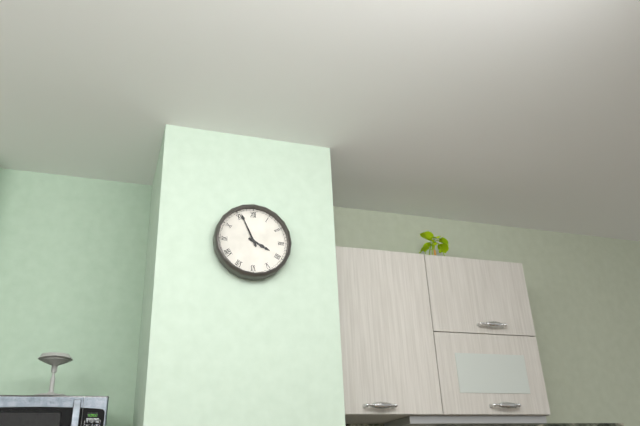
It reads **3:56**
